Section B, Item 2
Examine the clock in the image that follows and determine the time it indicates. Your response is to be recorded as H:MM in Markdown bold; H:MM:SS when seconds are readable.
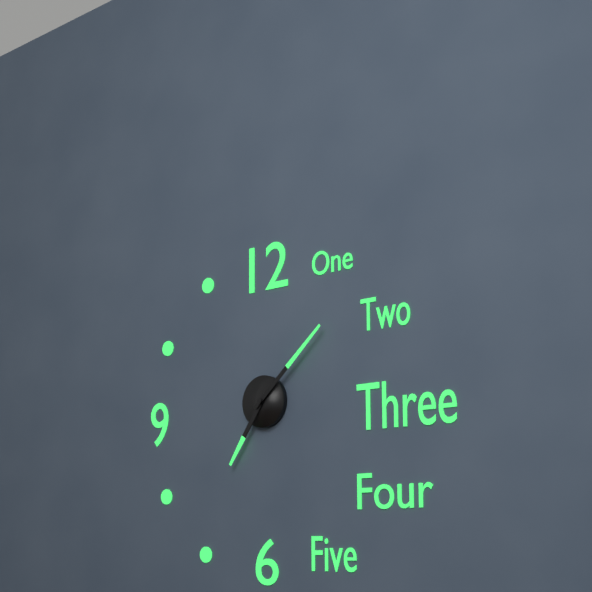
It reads **7:08**
